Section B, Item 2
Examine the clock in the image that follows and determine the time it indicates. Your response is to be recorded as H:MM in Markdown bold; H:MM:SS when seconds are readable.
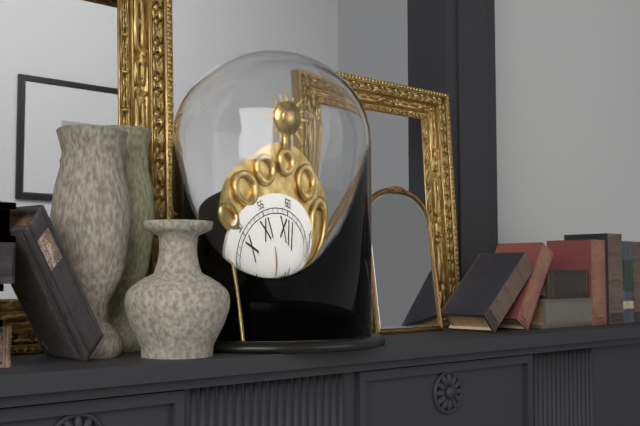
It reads **11:08**
